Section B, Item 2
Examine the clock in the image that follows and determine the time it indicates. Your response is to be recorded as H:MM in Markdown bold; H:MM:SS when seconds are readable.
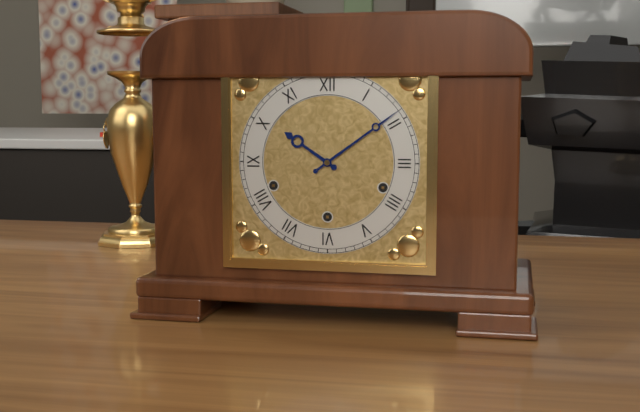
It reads **10:09**
